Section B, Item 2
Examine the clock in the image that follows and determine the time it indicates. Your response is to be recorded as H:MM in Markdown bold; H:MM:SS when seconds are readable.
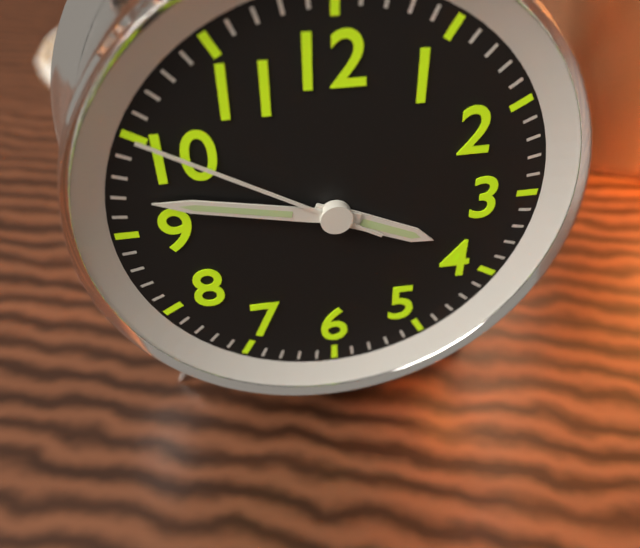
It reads **3:47:50**
